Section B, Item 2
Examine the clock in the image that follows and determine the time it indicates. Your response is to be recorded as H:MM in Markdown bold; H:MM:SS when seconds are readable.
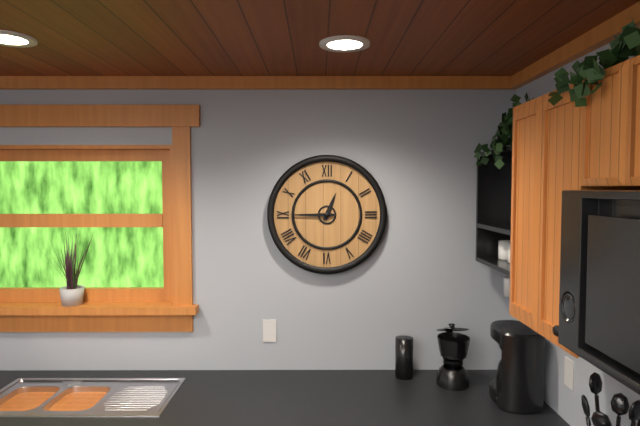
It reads **12:45**
